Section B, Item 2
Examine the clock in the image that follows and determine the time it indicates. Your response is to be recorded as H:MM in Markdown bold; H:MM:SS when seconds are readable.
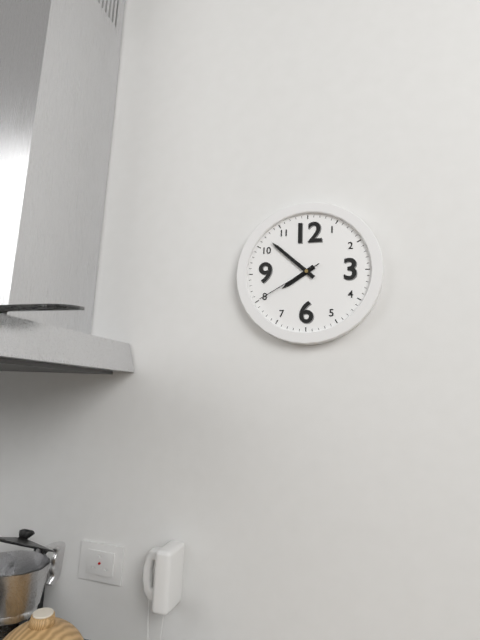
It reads **7:52:40**
